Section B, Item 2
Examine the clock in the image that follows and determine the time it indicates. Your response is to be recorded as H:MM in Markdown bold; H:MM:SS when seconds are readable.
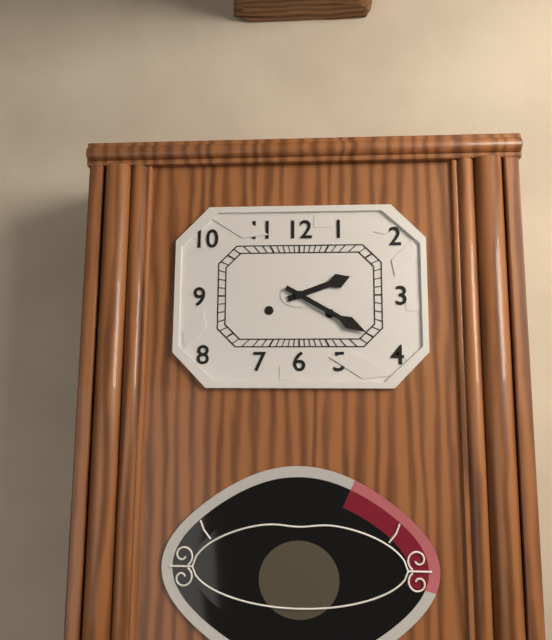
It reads **2:20**
